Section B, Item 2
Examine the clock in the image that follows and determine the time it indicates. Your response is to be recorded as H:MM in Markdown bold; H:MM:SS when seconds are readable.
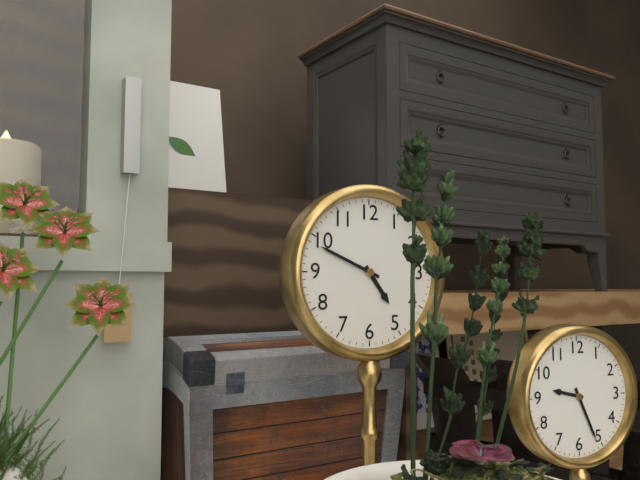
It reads **4:49**
